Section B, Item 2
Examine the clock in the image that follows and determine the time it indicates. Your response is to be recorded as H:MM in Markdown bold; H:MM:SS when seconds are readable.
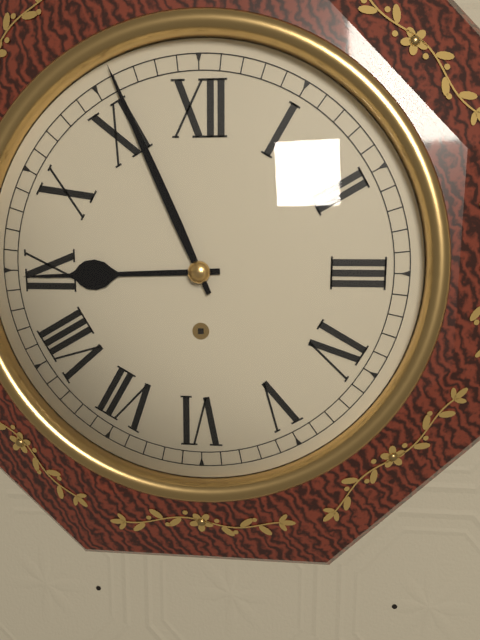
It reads **8:56**
